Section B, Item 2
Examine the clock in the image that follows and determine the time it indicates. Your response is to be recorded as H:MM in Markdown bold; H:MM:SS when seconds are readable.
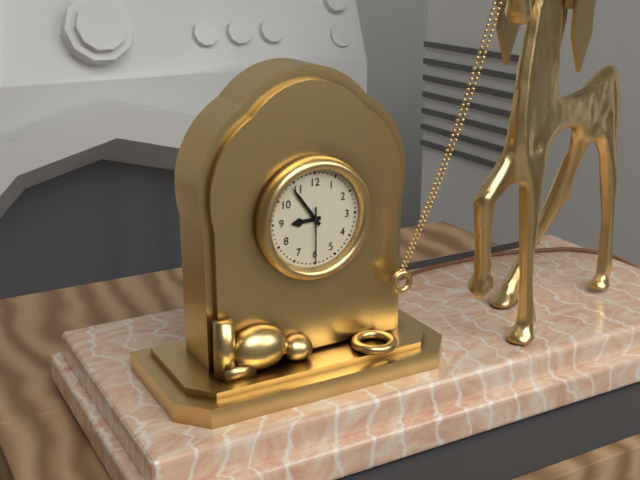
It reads **8:54:30**
